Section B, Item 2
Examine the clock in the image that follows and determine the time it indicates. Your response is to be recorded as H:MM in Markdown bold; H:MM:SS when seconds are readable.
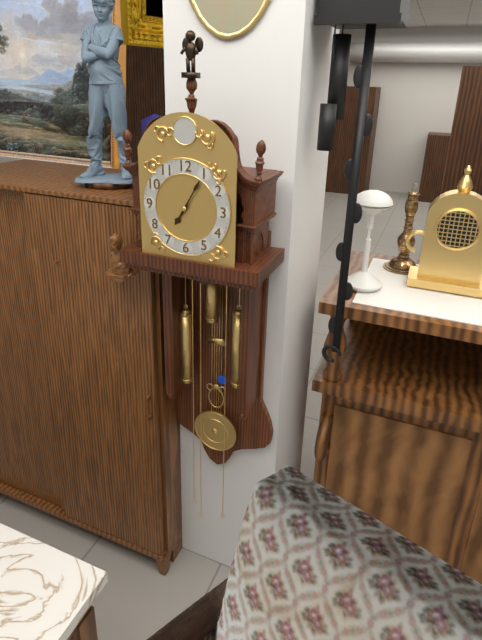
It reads **7:05**
